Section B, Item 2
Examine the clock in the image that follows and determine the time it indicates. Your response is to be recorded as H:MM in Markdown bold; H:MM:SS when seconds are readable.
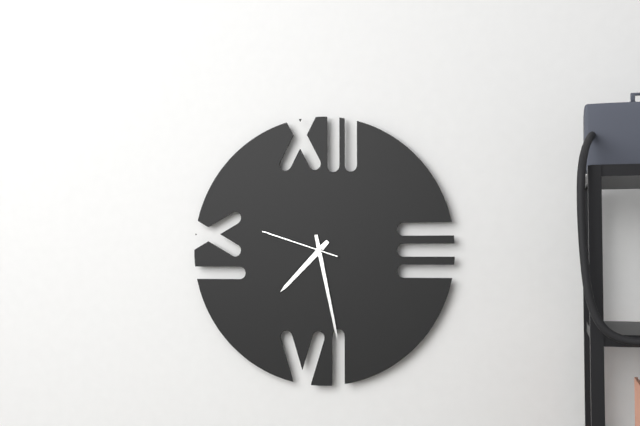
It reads **7:28:48**
